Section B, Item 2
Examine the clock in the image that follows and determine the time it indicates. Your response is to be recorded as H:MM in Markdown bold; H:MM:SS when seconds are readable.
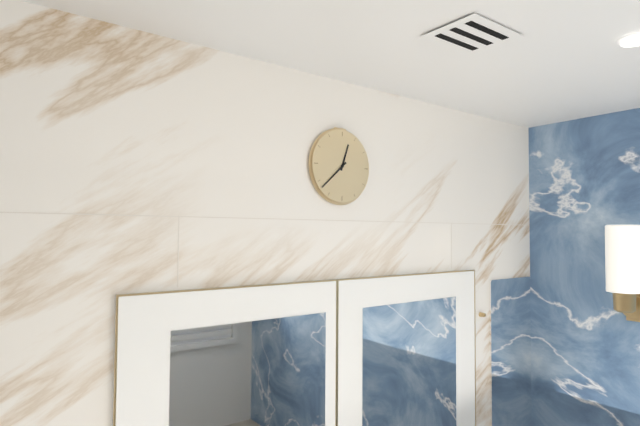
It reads **12:38**
